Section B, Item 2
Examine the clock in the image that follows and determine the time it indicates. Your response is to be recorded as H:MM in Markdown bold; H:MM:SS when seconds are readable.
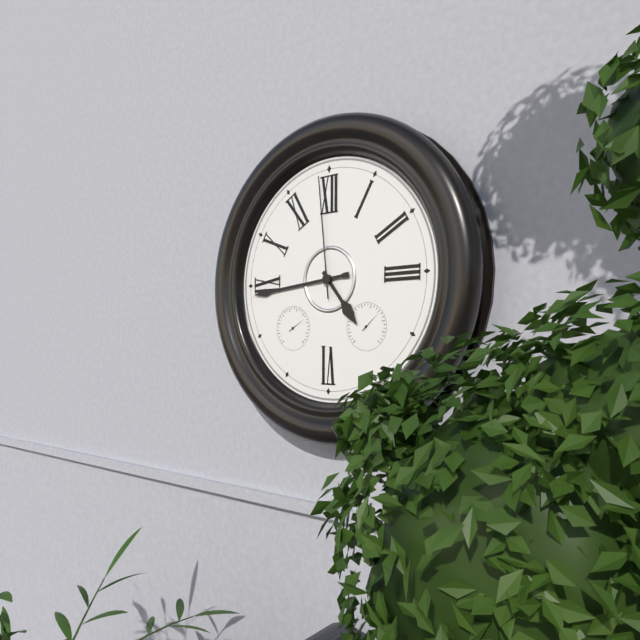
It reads **4:44:59**
